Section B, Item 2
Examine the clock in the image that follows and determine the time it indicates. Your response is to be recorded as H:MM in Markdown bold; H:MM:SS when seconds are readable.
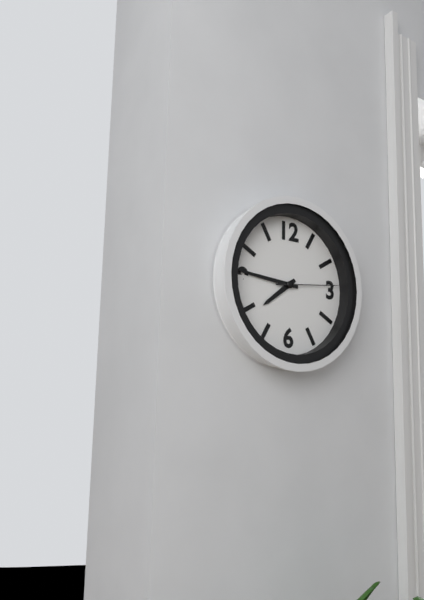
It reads **7:46:14**
